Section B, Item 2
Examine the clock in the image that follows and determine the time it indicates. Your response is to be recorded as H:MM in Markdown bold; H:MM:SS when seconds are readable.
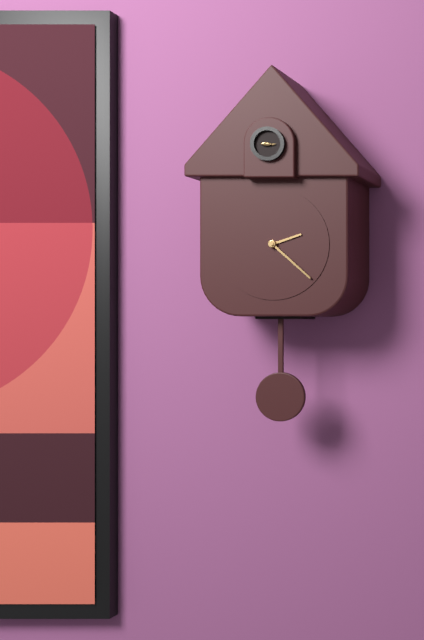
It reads **2:22**
